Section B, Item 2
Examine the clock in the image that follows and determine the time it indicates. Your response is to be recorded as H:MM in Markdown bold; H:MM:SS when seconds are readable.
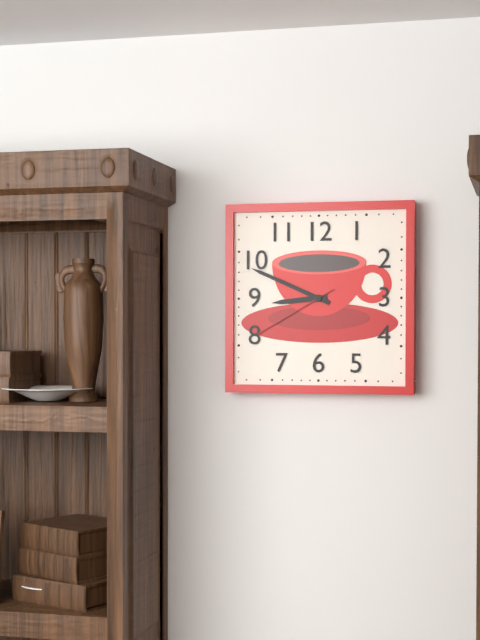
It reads **8:49:40**
